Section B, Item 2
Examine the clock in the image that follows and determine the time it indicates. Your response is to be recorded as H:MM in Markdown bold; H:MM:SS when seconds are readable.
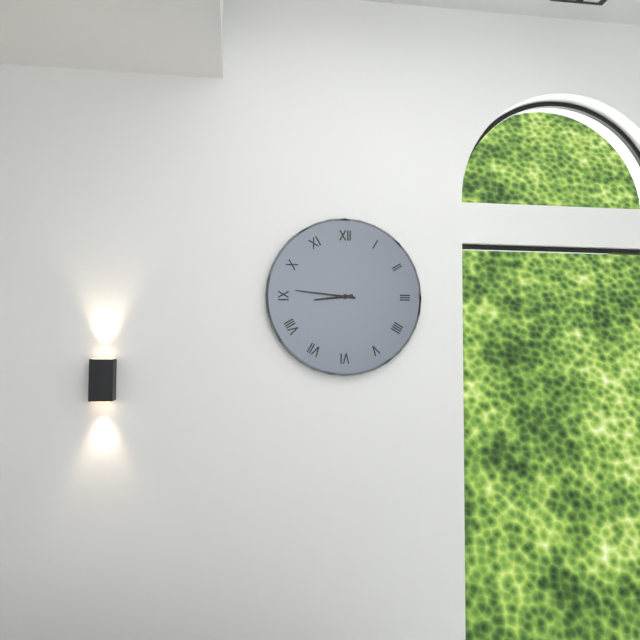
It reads **8:46**
